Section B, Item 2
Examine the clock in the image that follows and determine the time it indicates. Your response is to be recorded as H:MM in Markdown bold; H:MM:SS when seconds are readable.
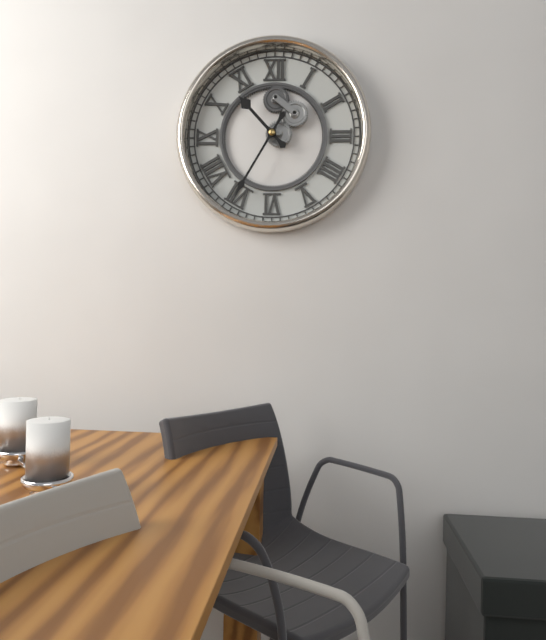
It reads **10:35**
